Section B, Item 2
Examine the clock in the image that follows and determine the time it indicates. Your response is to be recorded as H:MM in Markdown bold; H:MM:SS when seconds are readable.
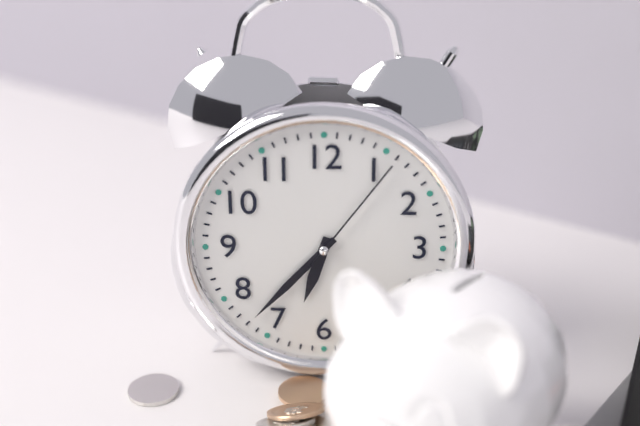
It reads **6:37:06**
